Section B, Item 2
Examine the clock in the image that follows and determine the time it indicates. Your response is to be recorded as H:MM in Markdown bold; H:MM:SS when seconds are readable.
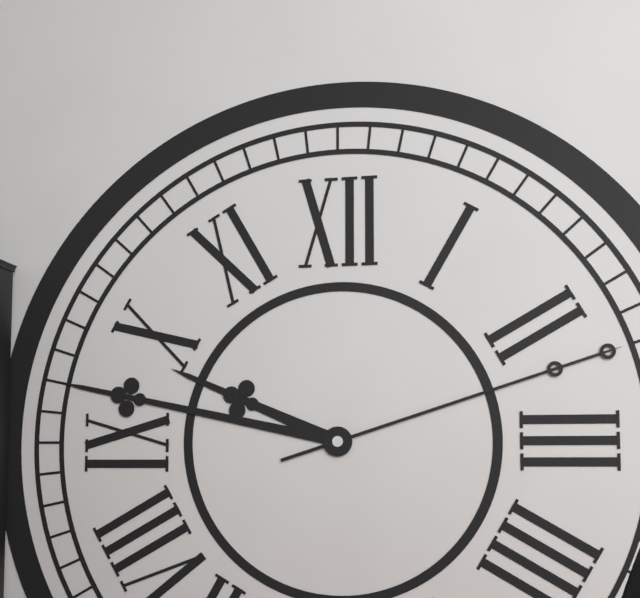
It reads **9:47:12**
